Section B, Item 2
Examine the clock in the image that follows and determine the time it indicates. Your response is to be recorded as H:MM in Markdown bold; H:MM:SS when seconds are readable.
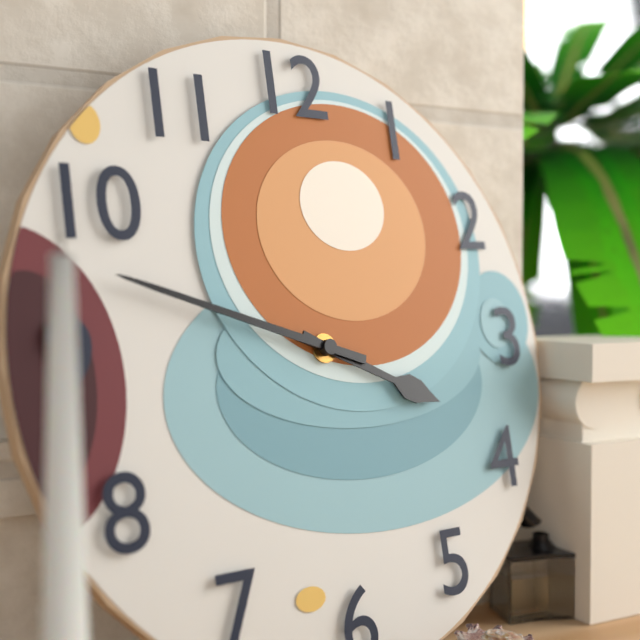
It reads **3:48**
